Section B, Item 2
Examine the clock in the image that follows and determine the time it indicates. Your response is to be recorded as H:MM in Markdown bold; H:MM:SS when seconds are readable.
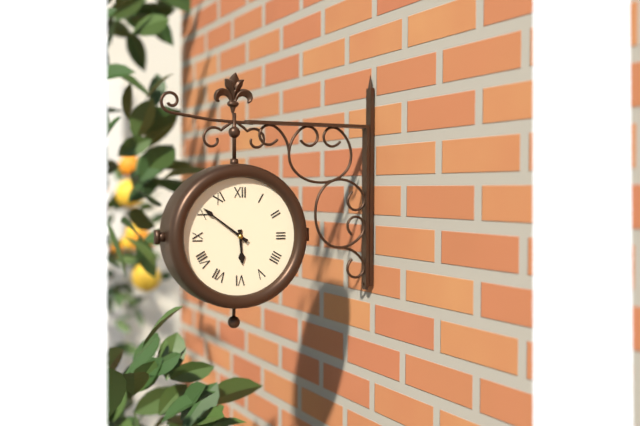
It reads **5:51**
